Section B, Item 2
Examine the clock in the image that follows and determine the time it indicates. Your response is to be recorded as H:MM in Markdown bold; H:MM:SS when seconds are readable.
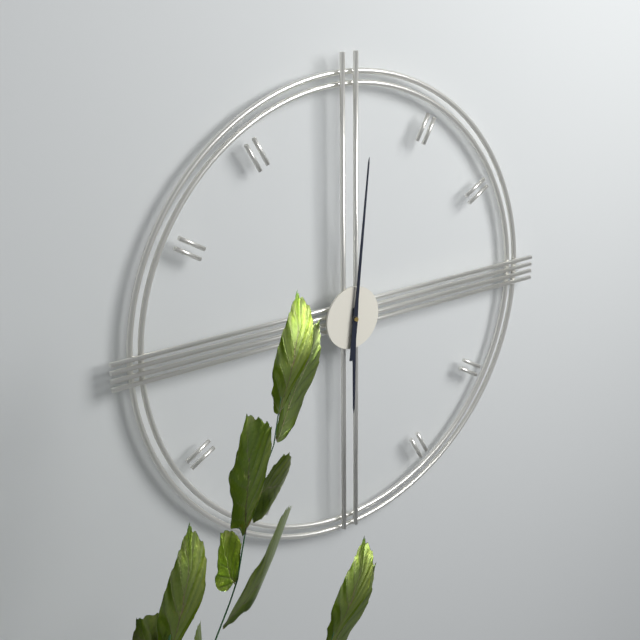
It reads **6:01**
